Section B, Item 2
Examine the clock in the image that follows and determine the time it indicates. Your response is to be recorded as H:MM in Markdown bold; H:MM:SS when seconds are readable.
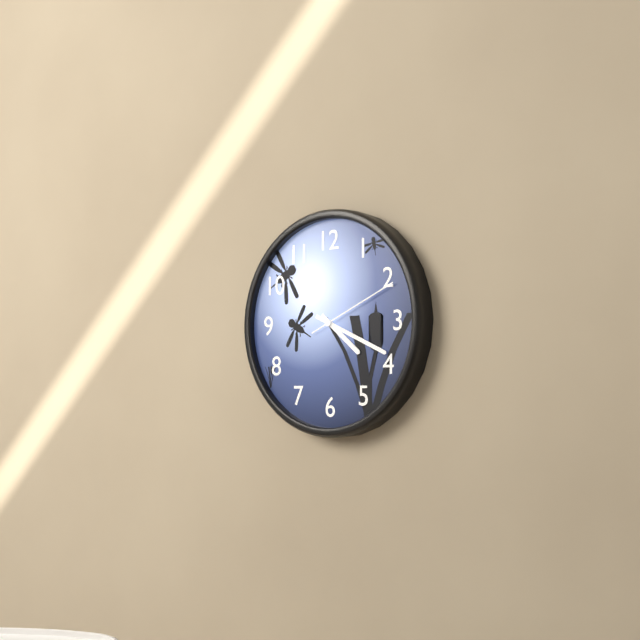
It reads **4:19:11**
